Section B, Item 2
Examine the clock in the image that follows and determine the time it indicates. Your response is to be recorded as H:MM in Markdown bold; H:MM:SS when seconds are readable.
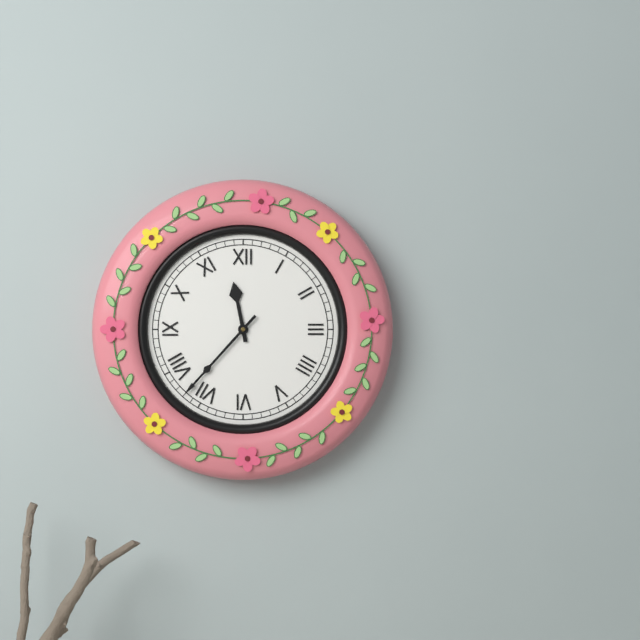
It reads **11:37**
